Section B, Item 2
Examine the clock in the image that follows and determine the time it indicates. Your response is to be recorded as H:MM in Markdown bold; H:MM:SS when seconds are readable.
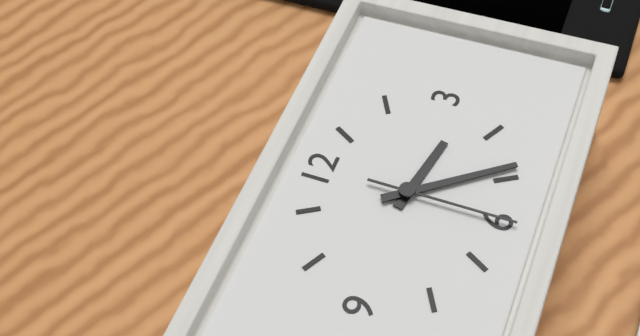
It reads **3:24:30**
